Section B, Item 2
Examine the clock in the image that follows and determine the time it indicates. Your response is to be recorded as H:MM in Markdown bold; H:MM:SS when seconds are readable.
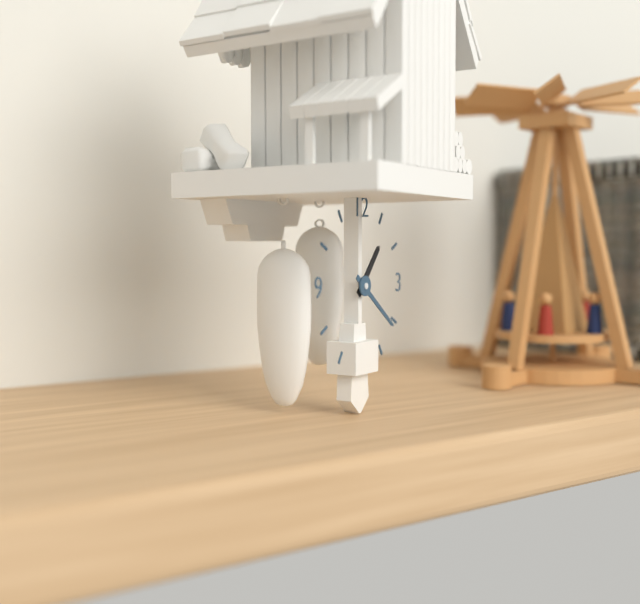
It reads **1:21**
